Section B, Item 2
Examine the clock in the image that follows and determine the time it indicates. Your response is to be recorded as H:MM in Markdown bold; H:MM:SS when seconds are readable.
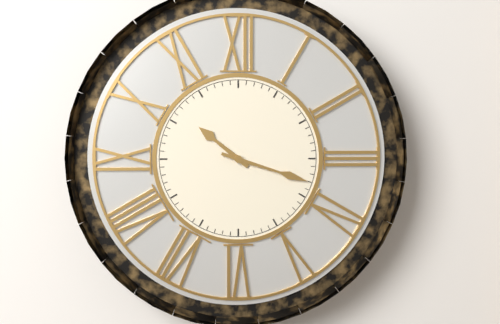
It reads **10:18**
